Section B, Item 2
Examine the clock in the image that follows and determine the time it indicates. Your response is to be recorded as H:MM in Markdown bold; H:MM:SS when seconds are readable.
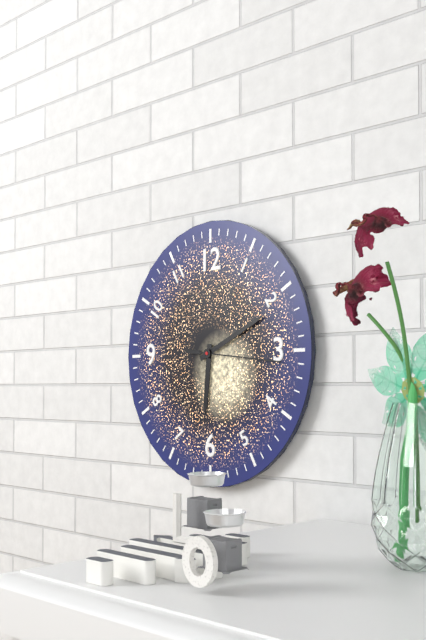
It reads **6:11:16**
